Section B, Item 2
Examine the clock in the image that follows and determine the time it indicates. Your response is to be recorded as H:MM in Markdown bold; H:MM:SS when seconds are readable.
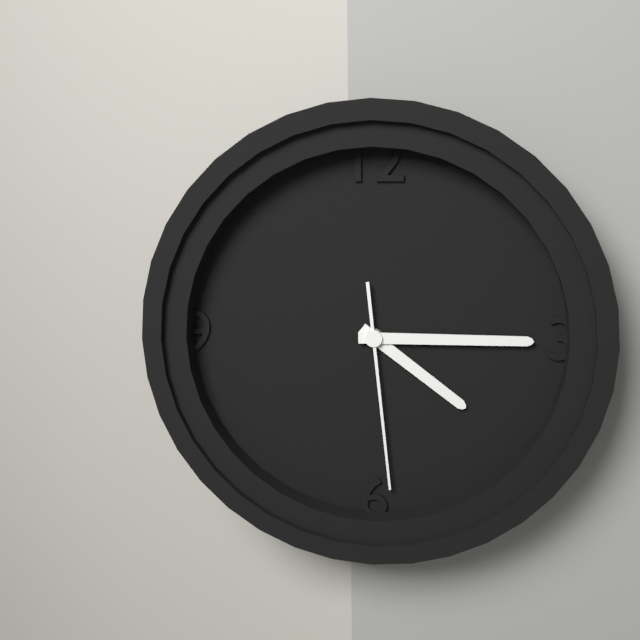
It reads **4:15:29**
